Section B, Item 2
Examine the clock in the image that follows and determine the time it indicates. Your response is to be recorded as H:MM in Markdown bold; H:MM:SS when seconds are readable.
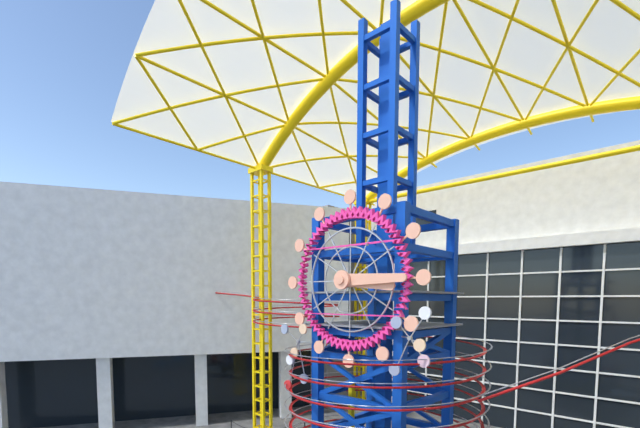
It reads **3:15**
